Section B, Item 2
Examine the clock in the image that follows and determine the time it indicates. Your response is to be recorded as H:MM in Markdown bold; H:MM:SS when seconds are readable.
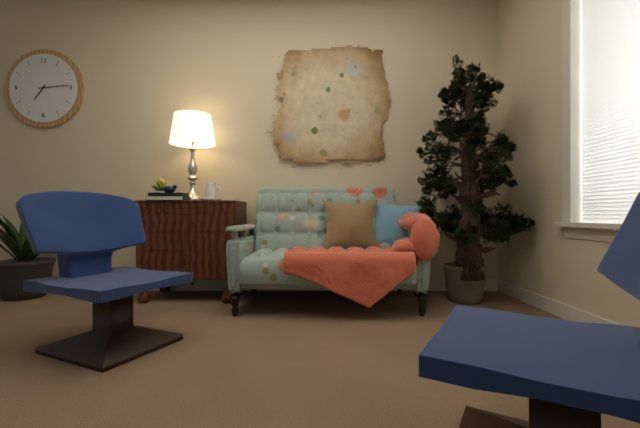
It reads **7:14**
